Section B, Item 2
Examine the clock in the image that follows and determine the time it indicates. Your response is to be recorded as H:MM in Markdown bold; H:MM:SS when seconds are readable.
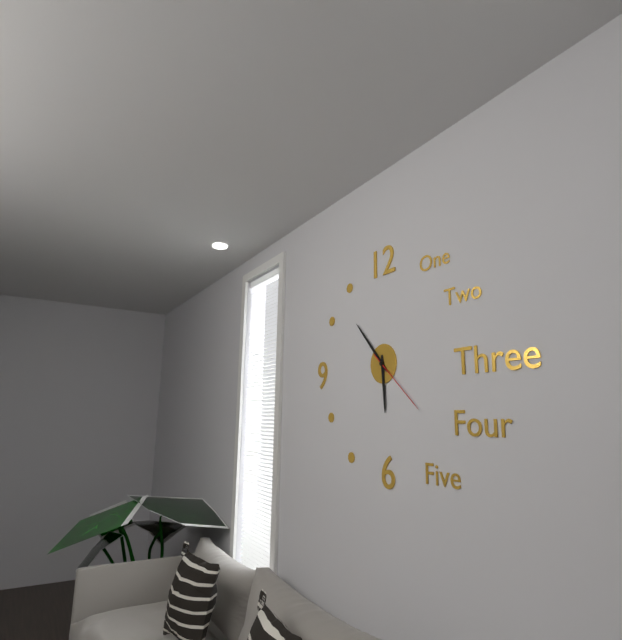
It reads **5:53:22**
